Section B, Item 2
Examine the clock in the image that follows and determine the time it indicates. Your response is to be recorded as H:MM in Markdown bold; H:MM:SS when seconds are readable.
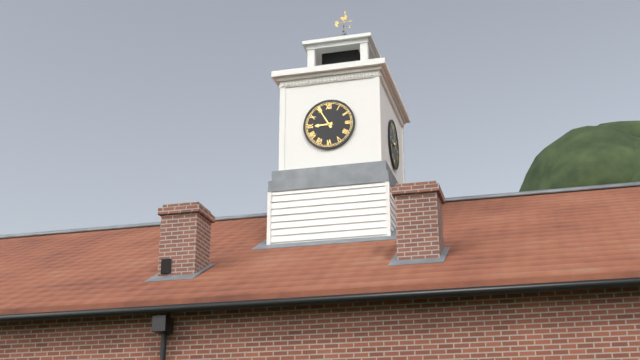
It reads **8:55**
